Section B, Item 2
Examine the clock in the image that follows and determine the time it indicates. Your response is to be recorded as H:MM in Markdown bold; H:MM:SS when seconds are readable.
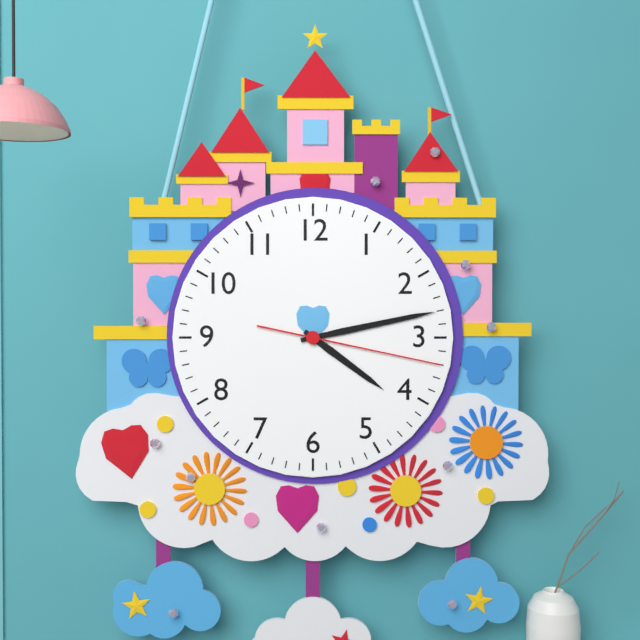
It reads **4:13:17**
